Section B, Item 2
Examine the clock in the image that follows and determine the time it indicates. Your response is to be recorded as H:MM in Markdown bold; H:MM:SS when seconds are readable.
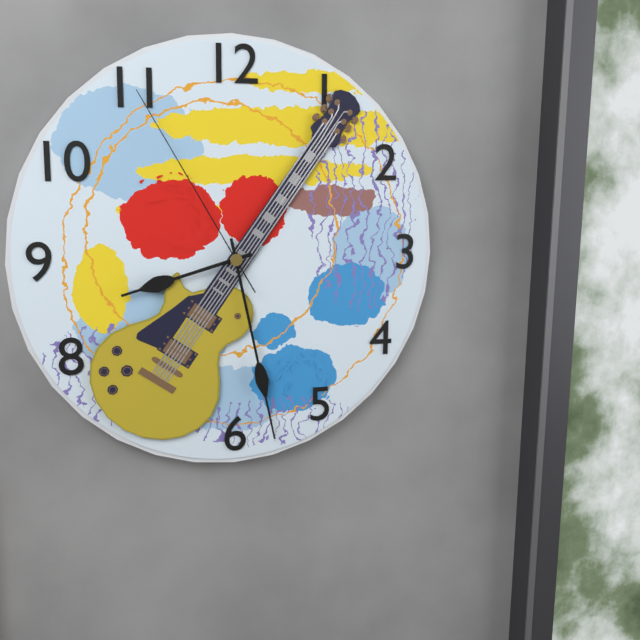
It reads **8:28:55**
